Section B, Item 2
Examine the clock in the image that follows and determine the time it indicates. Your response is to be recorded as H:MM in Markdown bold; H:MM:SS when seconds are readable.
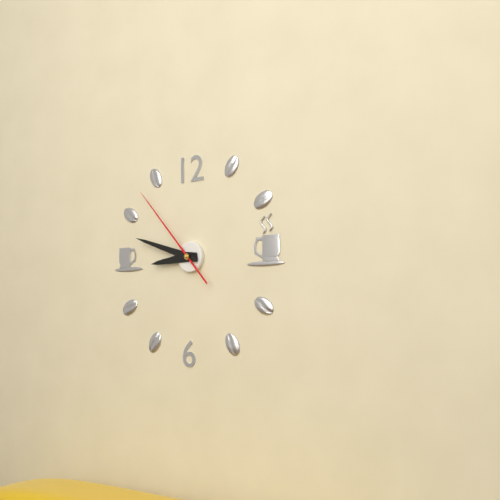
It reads **8:48:53**
